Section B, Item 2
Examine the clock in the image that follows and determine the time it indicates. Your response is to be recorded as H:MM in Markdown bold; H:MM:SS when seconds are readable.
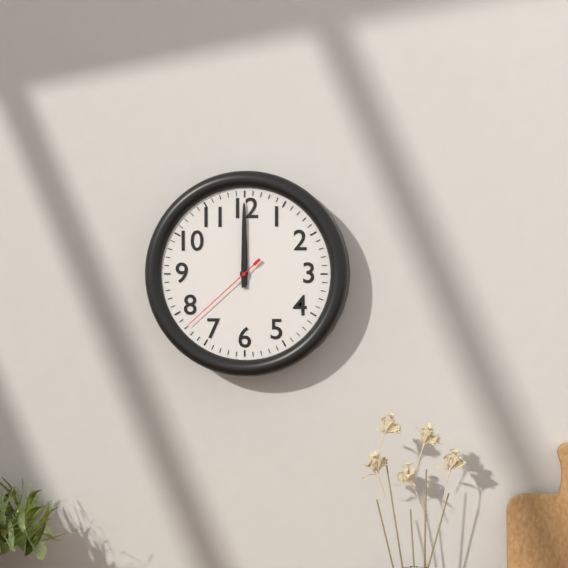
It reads **12:00:38**
